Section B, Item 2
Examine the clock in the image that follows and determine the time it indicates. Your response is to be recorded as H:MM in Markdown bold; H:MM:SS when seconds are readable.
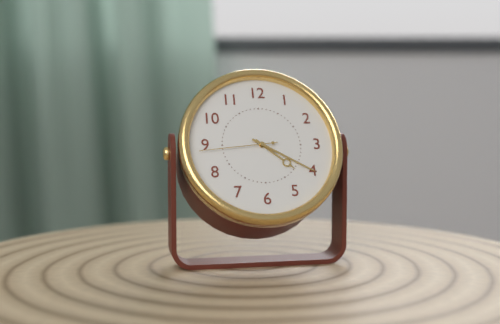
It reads **4:20:44**
